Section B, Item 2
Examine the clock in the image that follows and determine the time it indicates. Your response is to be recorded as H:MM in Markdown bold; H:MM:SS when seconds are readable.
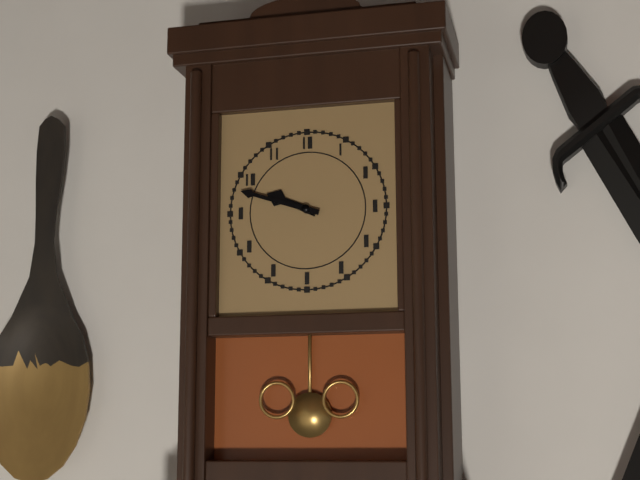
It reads **9:48**
